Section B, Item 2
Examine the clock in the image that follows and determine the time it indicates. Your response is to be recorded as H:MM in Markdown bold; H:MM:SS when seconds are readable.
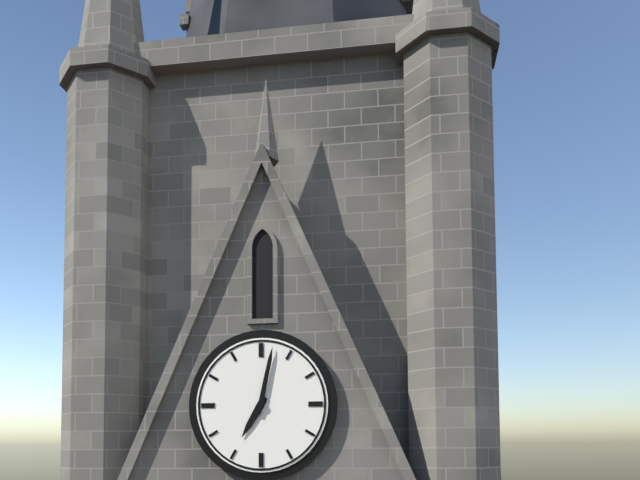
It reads **7:02**
